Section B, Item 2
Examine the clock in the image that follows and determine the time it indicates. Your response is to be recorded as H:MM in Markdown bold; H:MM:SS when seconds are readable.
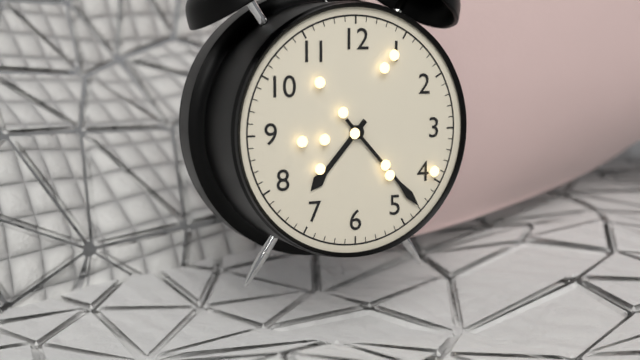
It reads **7:23**
